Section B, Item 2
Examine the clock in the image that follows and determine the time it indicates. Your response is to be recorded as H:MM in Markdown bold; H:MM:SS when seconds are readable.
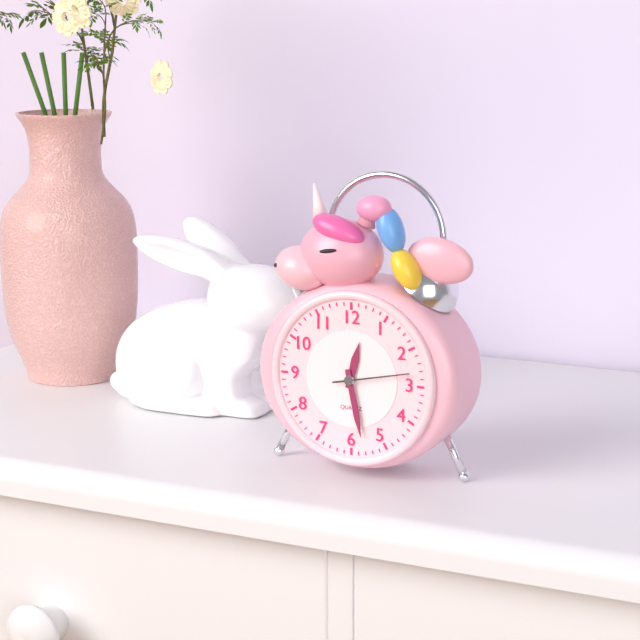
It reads **12:28:13**
